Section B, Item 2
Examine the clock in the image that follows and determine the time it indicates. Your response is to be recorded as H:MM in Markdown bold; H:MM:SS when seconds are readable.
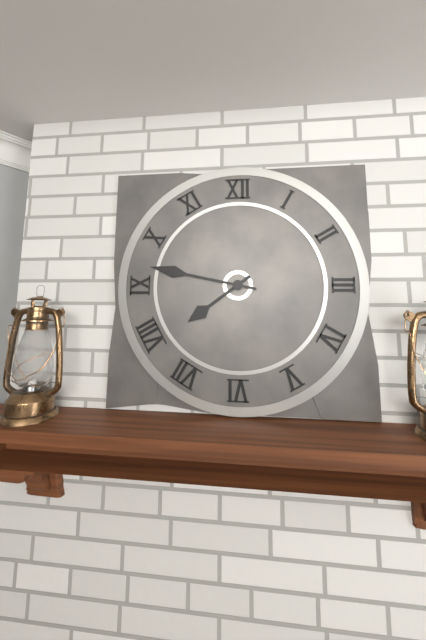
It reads **7:47**
